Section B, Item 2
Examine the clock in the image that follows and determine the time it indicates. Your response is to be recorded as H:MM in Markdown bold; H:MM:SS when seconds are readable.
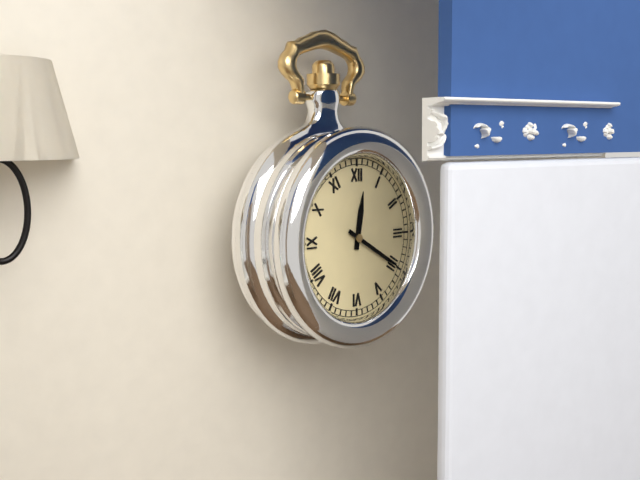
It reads **12:20**
